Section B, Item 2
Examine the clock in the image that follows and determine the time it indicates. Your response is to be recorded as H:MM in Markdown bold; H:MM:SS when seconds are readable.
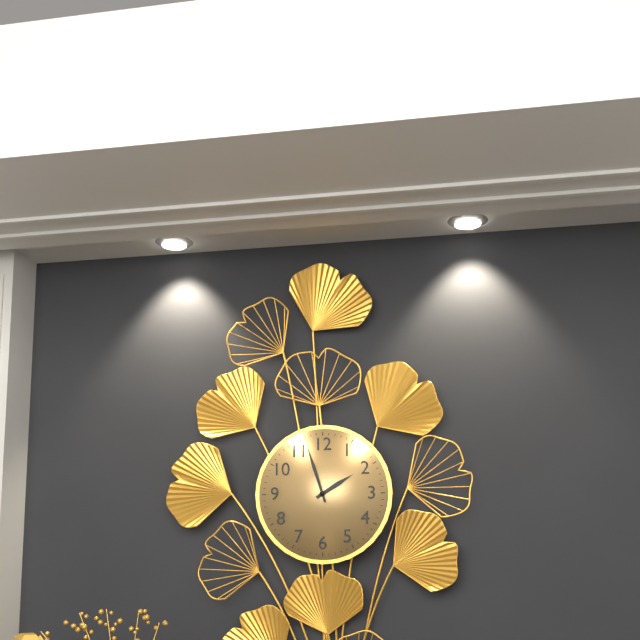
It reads **1:57**
